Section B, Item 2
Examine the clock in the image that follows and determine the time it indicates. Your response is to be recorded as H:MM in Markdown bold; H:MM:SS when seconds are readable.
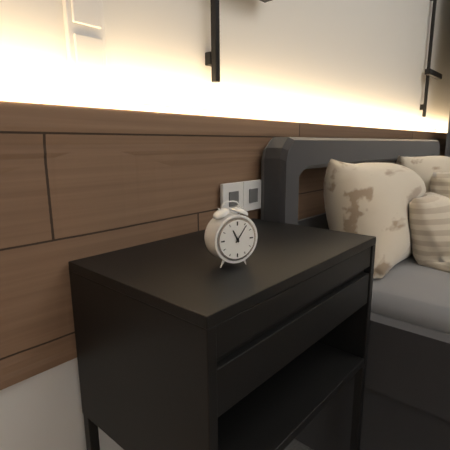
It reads **11:06**
